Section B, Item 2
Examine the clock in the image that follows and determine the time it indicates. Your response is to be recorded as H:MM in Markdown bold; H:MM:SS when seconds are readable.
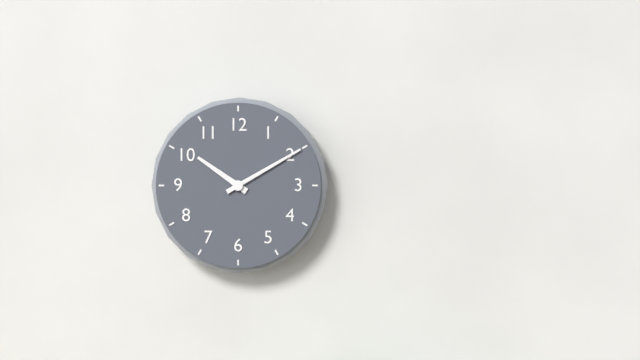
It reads **10:10**
